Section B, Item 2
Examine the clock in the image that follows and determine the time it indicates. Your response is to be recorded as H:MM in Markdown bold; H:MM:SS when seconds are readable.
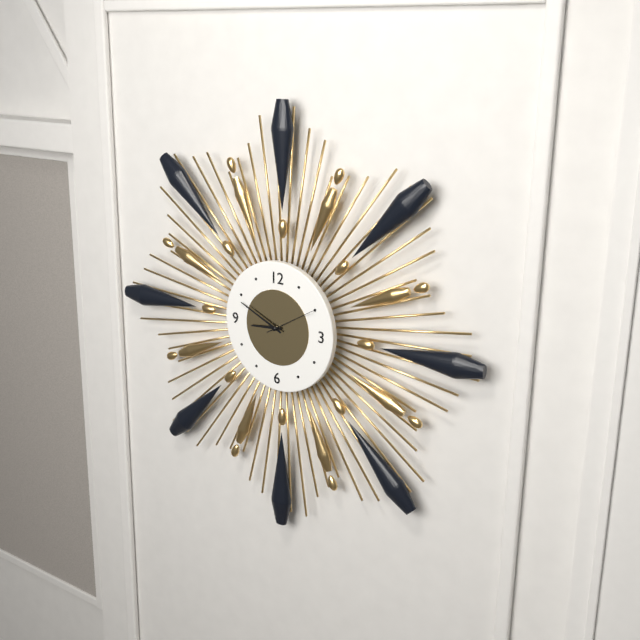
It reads **8:49:10**
